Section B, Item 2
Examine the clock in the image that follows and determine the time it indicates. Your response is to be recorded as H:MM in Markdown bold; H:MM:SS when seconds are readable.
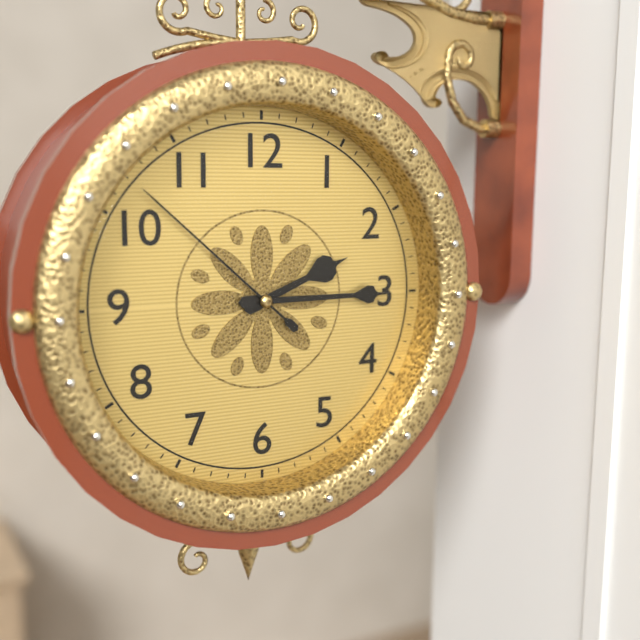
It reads **2:15:52**
